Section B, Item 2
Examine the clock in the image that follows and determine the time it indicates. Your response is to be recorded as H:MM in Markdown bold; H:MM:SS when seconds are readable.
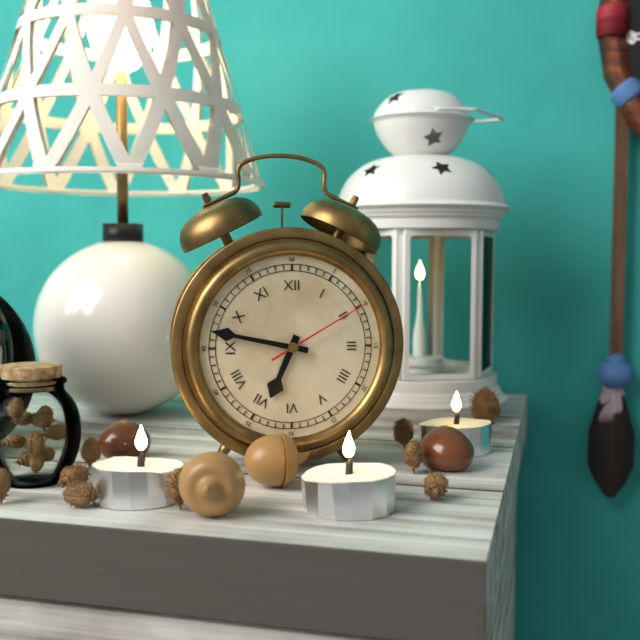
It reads **6:47:10**
